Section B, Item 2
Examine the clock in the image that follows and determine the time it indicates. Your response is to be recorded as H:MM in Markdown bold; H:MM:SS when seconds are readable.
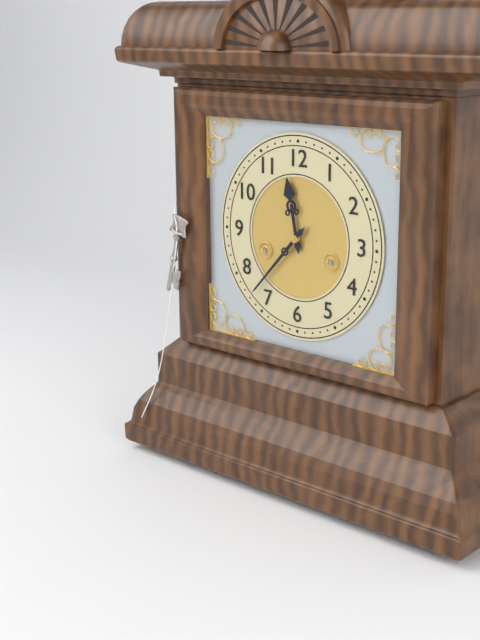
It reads **11:37**
